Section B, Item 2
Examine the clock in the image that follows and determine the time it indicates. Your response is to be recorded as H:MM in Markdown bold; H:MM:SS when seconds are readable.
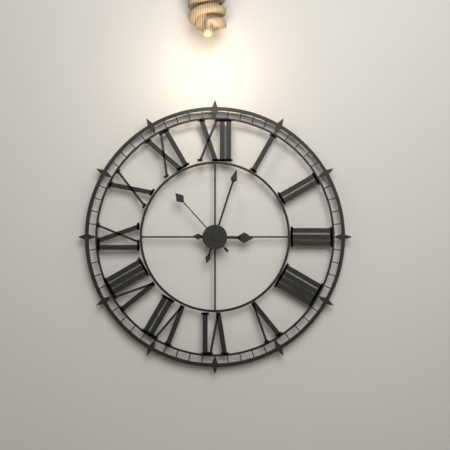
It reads **3:03:53**
